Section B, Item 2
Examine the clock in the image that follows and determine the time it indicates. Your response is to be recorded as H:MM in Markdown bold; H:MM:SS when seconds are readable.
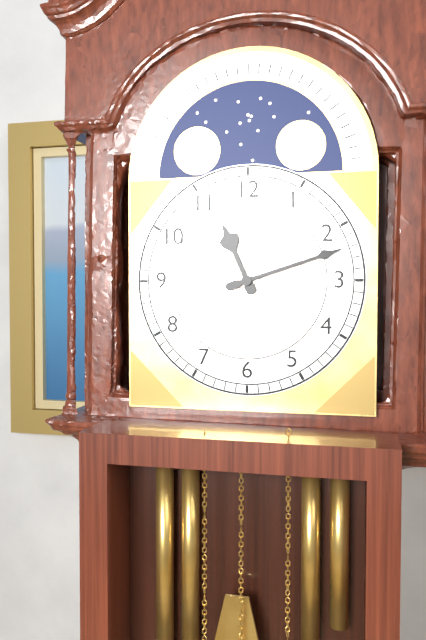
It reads **11:12**
